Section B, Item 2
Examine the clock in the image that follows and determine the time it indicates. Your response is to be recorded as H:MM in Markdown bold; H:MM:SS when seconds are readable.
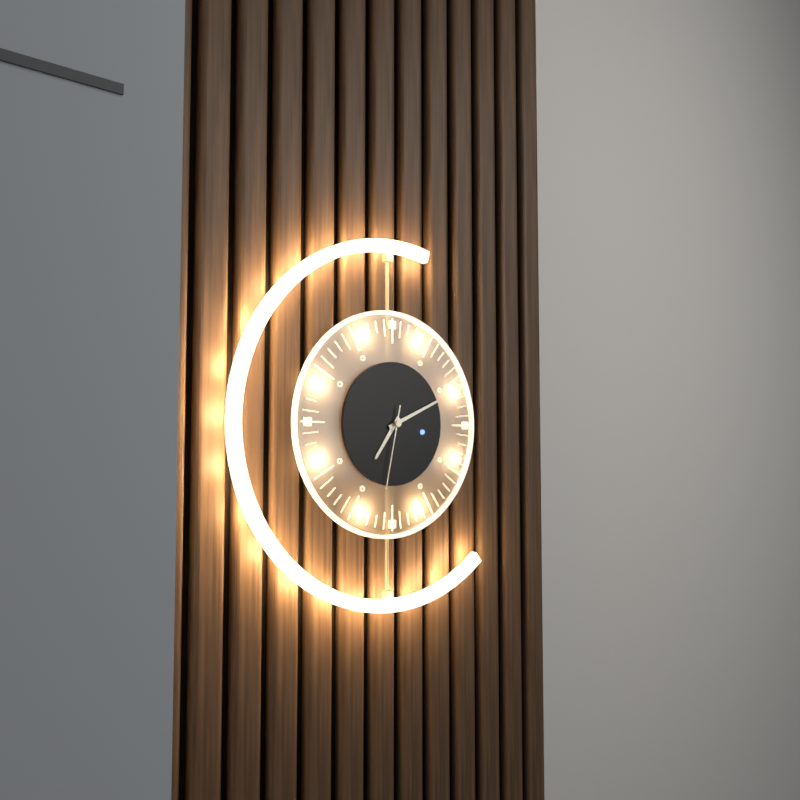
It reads **7:11:32**
